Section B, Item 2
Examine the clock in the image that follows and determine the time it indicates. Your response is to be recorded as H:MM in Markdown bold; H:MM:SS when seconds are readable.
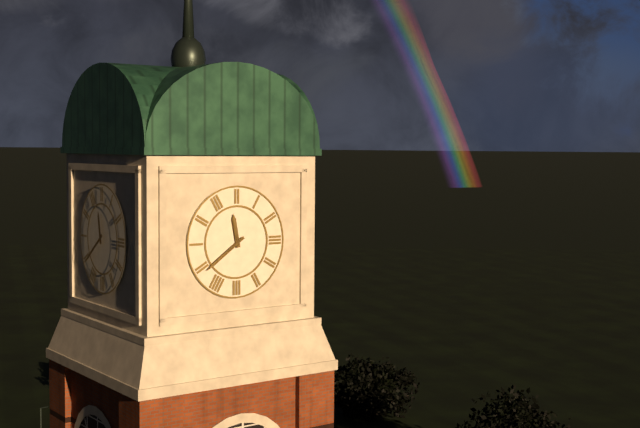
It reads **11:39**
